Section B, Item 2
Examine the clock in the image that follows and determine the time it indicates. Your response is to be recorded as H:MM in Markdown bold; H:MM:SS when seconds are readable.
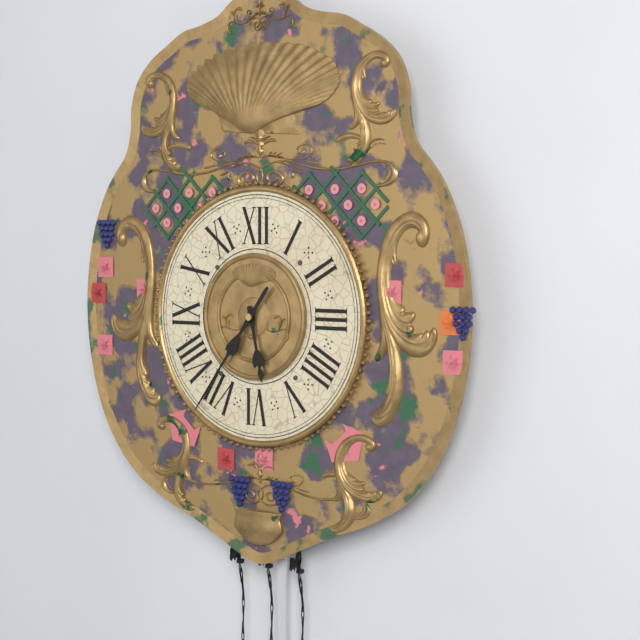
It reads **5:36**
